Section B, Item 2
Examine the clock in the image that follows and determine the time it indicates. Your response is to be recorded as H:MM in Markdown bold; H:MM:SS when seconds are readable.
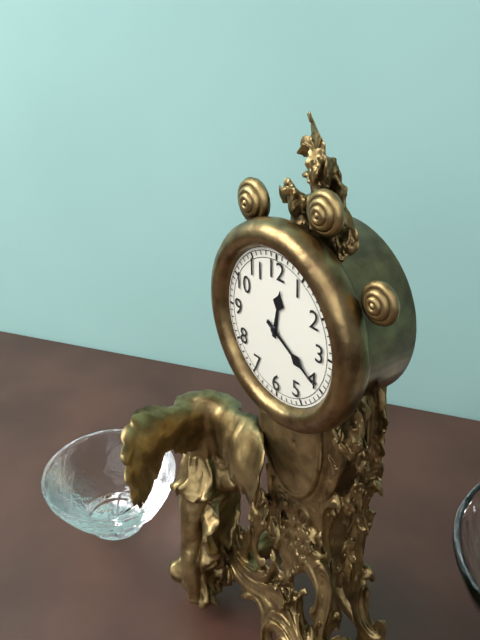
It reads **12:20**
